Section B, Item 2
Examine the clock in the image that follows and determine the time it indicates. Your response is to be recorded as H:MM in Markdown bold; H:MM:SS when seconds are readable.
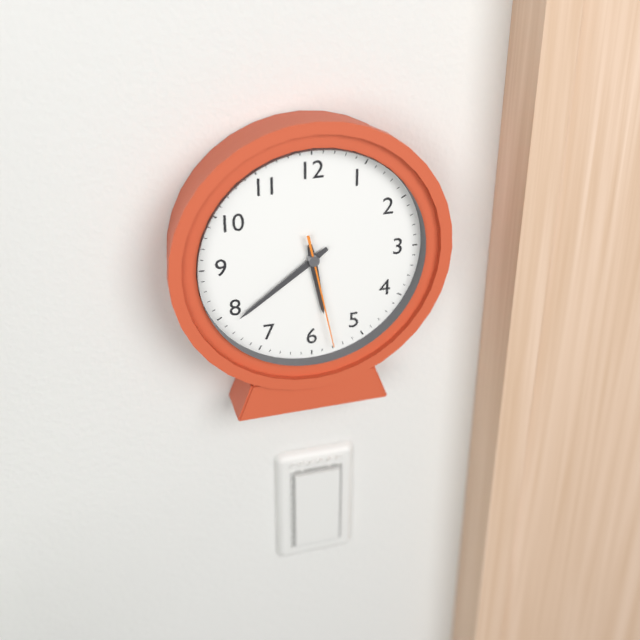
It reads **5:39:28**
